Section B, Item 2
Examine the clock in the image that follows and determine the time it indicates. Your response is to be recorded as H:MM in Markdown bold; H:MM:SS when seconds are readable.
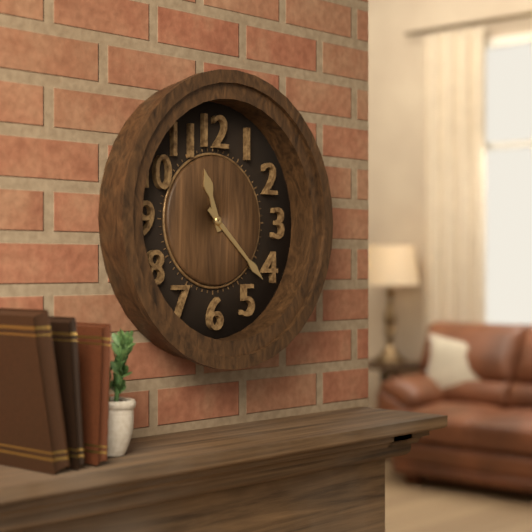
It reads **11:22**
